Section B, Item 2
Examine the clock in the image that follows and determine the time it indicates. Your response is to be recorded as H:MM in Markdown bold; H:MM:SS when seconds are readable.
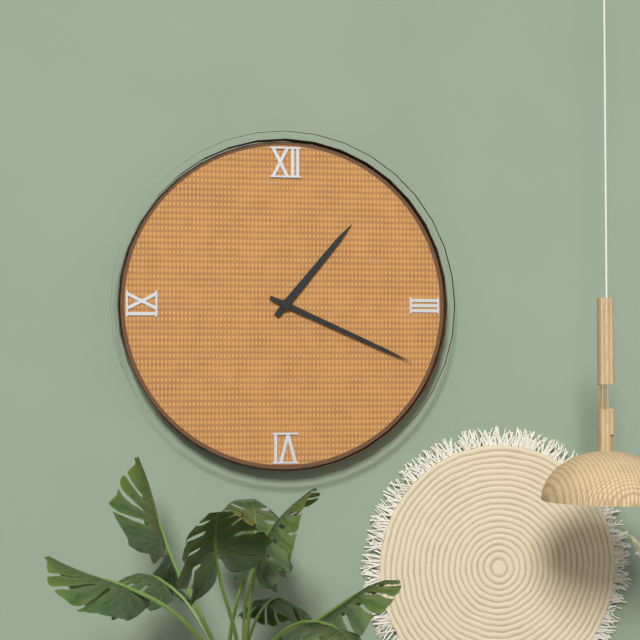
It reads **1:19**
